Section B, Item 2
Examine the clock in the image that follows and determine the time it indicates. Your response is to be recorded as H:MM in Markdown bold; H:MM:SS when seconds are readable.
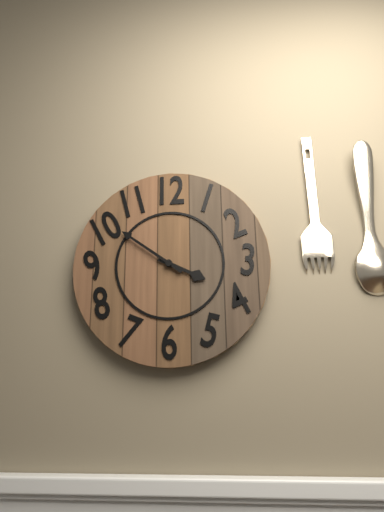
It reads **3:51**
